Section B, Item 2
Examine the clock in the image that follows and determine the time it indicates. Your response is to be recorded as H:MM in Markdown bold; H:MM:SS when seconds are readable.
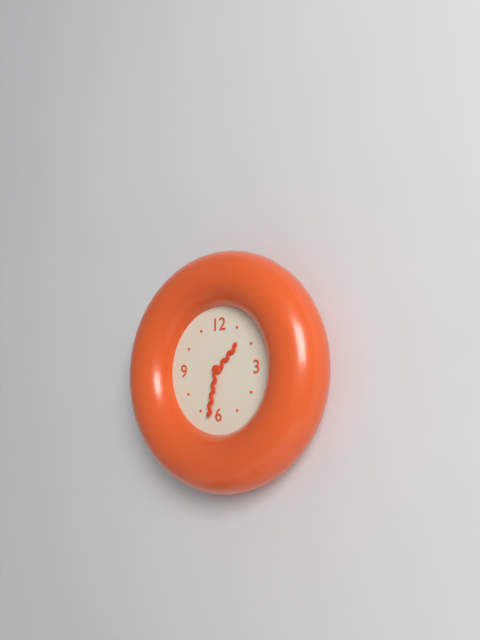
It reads **1:32**
